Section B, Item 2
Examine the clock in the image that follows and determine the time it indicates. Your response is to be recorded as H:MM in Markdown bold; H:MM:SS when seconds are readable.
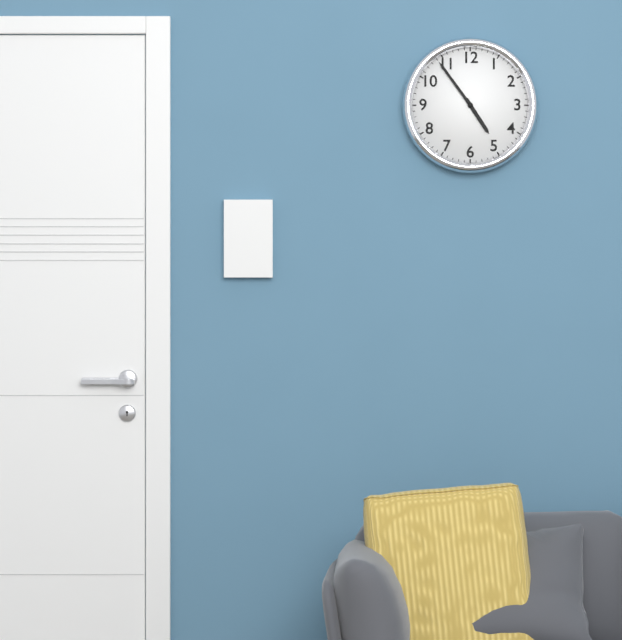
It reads **4:54**
